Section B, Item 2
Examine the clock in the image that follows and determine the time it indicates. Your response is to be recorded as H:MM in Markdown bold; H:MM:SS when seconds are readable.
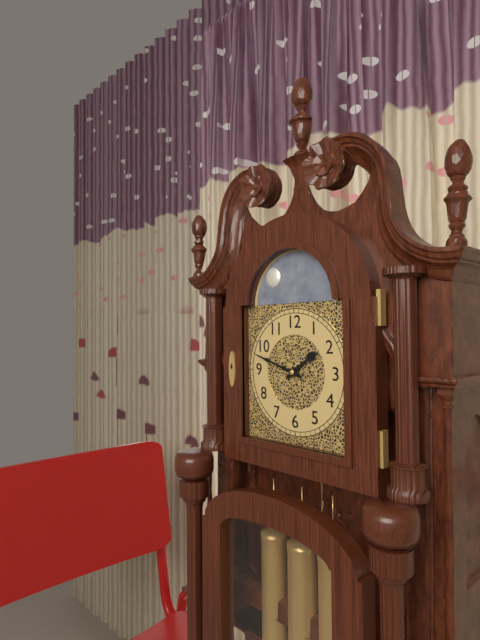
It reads **1:48**
